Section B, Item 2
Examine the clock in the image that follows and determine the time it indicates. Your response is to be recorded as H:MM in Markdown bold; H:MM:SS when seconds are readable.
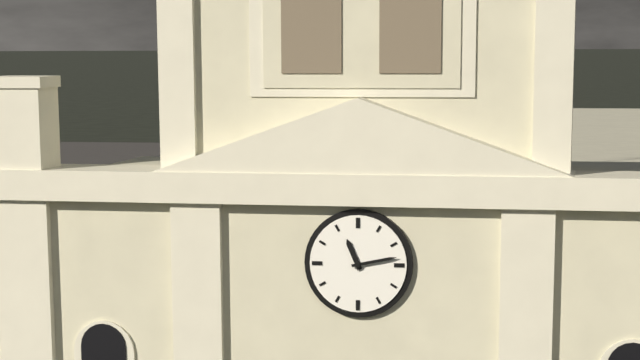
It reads **11:13**
